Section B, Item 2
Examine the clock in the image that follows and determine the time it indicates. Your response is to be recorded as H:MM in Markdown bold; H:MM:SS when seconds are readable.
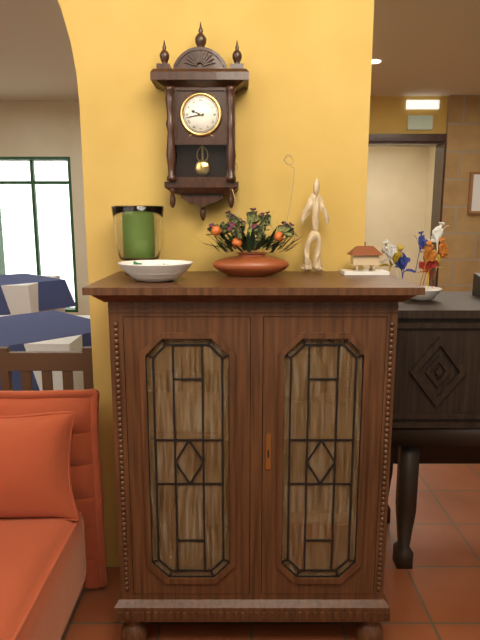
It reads **9:43**
